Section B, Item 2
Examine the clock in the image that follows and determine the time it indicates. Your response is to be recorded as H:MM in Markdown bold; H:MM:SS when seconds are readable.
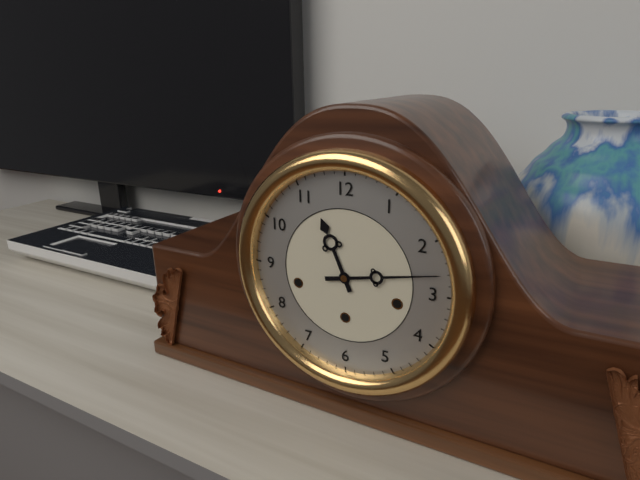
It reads **11:13**
